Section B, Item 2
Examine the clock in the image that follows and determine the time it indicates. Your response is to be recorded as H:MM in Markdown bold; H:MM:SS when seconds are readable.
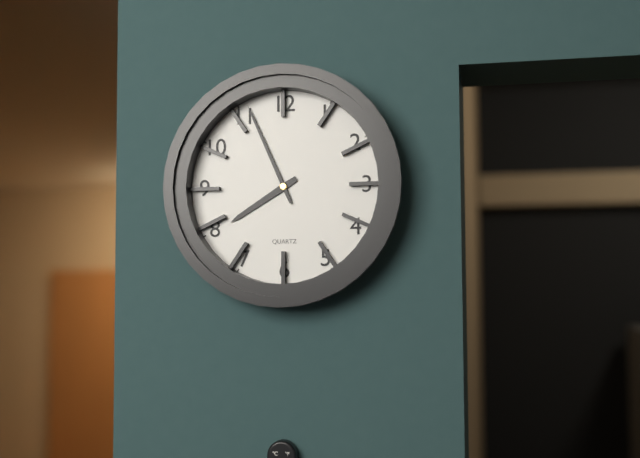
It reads **7:56**
